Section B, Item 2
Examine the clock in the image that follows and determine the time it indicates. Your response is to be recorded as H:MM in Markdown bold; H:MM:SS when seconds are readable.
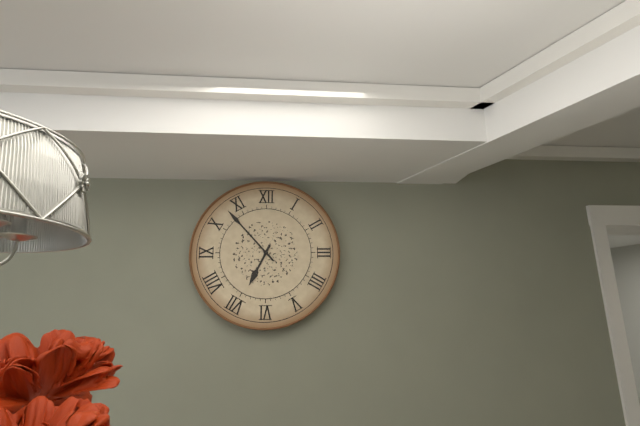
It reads **6:53**
